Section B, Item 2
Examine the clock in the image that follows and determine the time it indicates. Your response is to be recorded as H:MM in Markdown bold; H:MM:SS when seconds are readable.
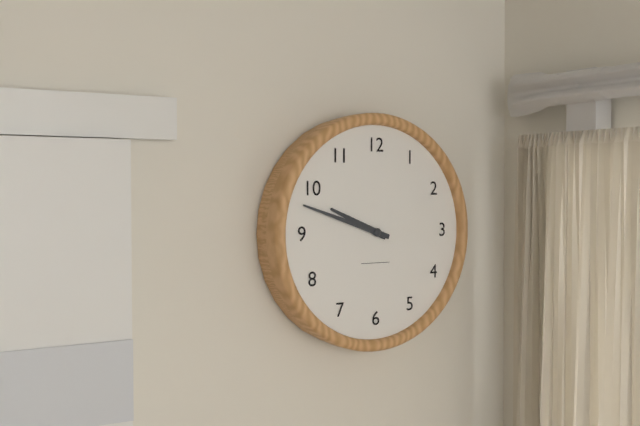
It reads **9:48**
